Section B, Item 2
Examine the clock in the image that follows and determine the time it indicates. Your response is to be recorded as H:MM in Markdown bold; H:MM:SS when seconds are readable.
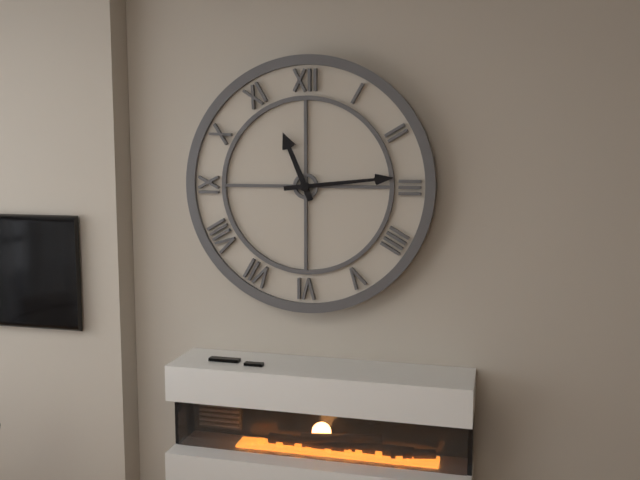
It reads **11:14**
